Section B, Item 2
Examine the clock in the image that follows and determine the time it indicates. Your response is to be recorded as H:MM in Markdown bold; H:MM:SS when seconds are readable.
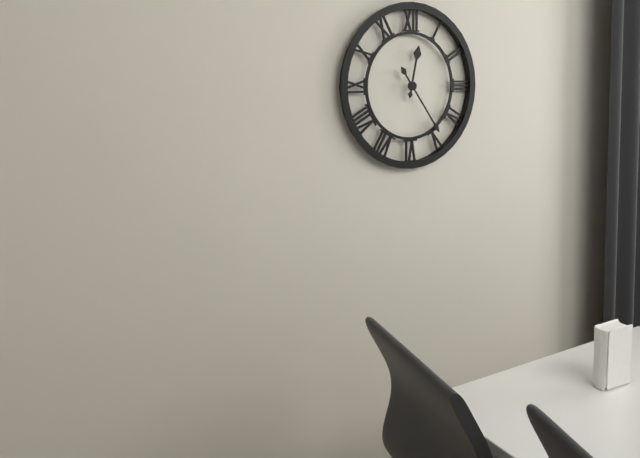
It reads **12:24**
